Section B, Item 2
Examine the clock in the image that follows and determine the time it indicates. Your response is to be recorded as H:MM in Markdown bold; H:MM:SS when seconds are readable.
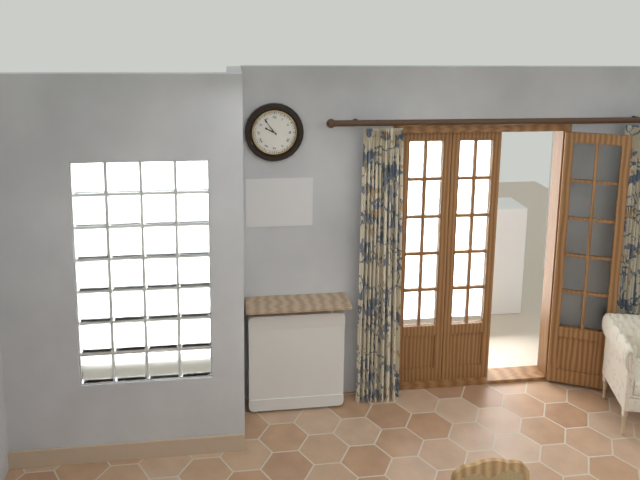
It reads **9:54**
